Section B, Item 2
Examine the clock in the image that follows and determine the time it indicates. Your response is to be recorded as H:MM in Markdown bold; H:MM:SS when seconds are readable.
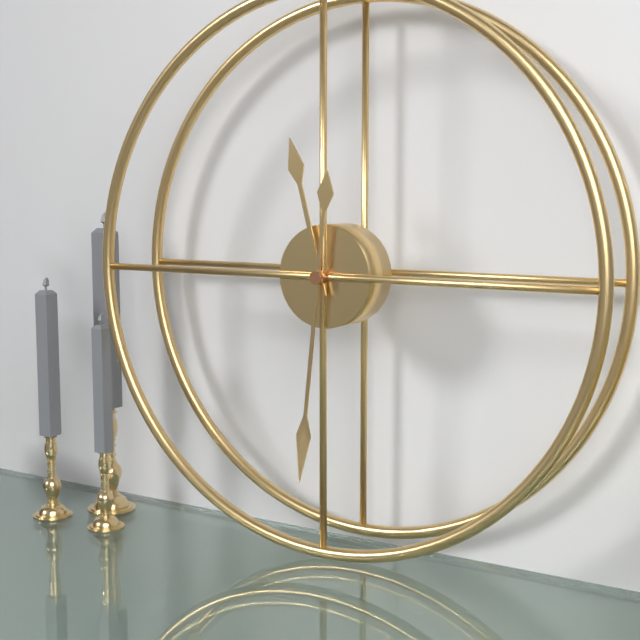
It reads **11:31**
